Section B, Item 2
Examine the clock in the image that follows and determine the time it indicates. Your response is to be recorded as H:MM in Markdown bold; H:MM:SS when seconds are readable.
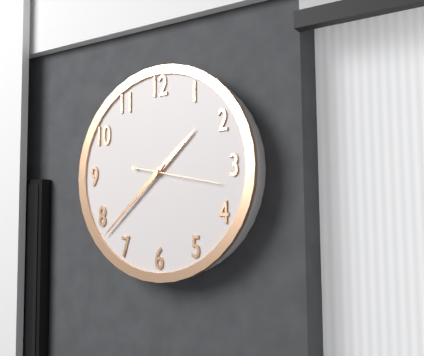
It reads **1:38:17**
